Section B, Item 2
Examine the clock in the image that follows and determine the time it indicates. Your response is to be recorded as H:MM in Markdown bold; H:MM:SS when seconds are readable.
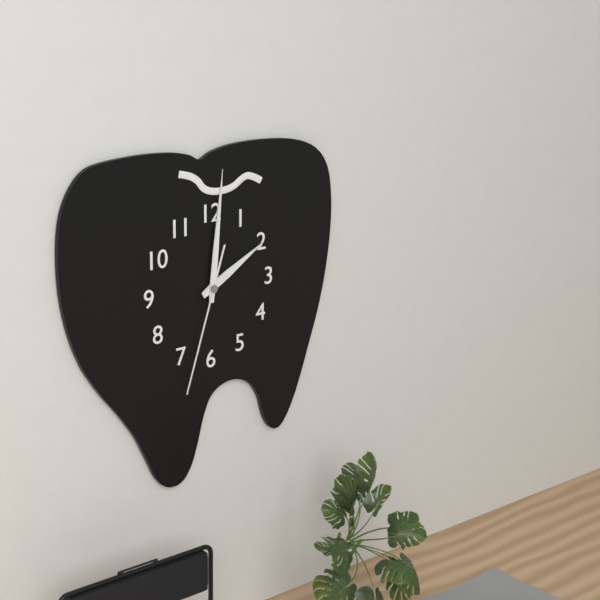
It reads **2:01:33**
